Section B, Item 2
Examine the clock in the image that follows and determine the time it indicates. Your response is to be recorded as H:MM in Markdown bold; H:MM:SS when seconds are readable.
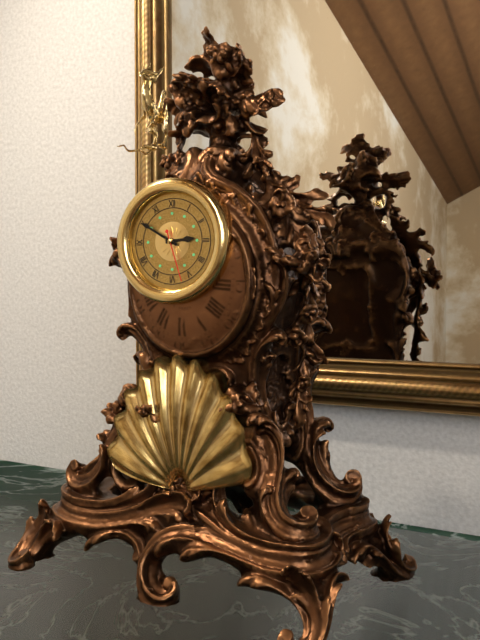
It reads **2:50:27**
